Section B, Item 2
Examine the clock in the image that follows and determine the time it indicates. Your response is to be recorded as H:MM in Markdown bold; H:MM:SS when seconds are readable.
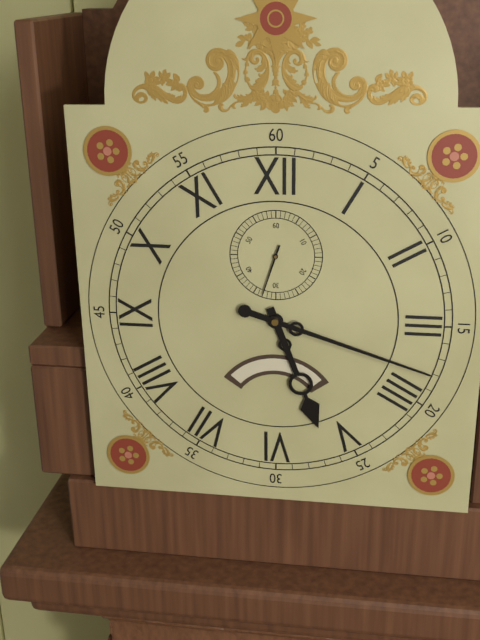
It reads **5:18:33**
